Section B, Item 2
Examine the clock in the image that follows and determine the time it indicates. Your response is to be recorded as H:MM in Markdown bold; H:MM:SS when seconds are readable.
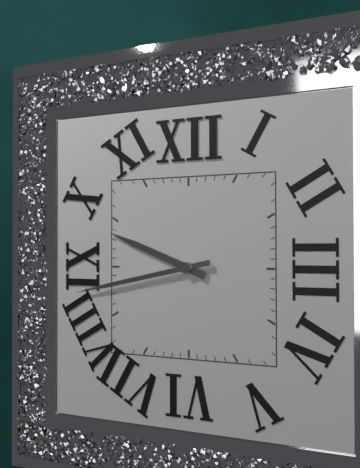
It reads **9:43**
